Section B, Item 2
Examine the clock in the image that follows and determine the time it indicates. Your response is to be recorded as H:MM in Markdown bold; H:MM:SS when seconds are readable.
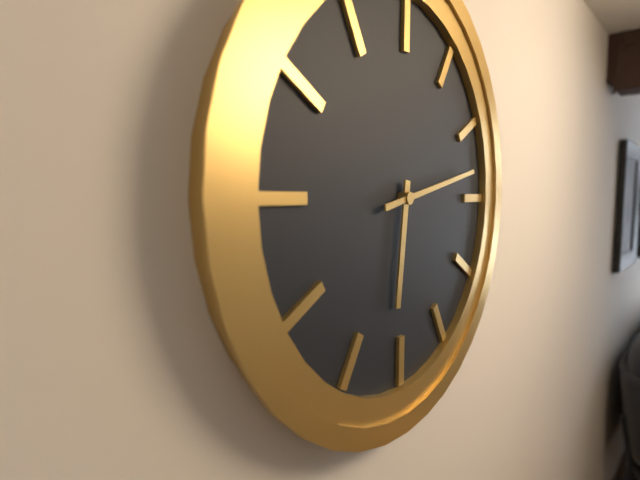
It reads **6:13**
